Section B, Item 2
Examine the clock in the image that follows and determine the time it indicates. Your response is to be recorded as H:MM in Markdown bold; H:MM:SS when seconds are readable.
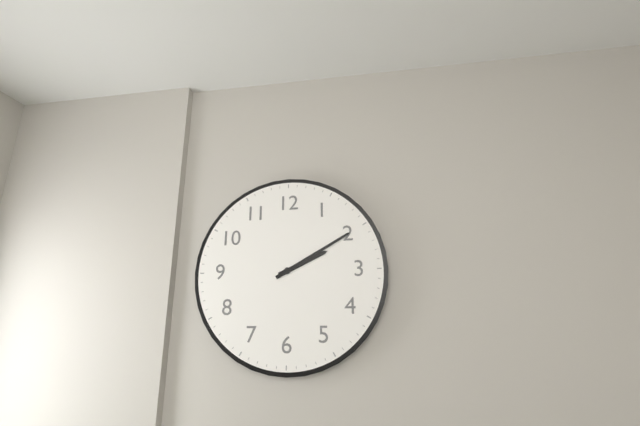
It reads **2:10**
